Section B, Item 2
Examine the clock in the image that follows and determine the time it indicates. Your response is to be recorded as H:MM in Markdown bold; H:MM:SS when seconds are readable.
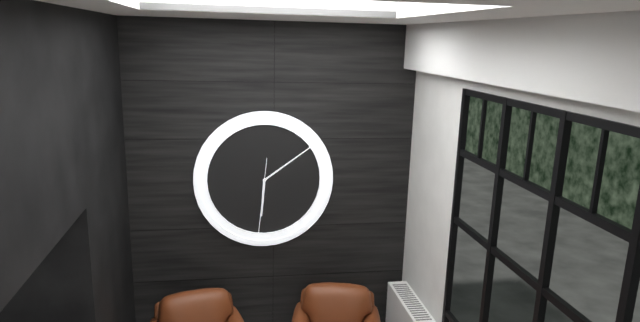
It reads **6:09:31**
